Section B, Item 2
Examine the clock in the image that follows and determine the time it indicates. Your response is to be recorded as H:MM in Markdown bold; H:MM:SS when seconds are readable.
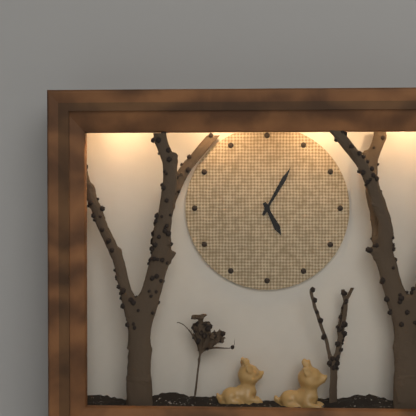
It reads **5:05**
